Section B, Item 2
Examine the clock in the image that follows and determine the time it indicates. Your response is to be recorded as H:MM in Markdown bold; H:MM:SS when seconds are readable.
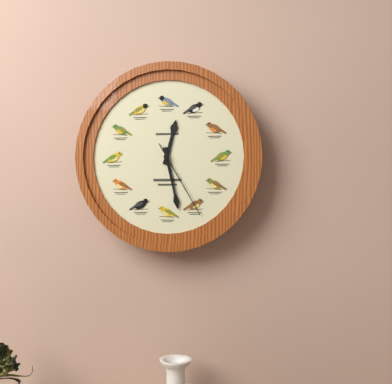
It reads **12:28:25**
